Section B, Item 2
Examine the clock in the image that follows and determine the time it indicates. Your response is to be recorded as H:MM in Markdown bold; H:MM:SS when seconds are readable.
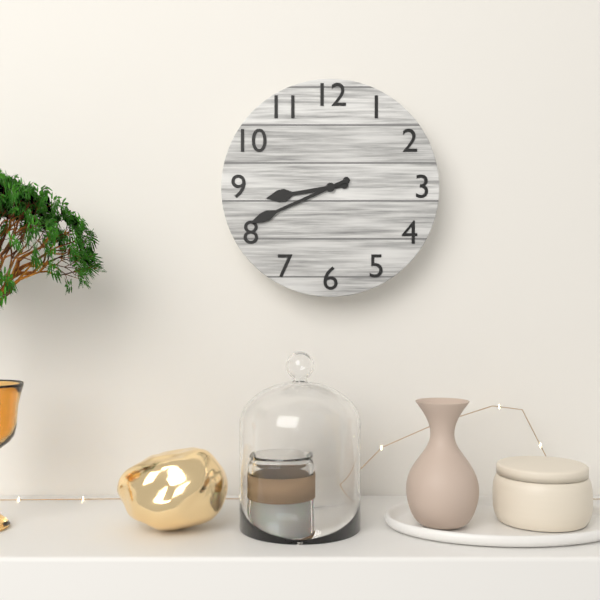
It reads **8:41**
